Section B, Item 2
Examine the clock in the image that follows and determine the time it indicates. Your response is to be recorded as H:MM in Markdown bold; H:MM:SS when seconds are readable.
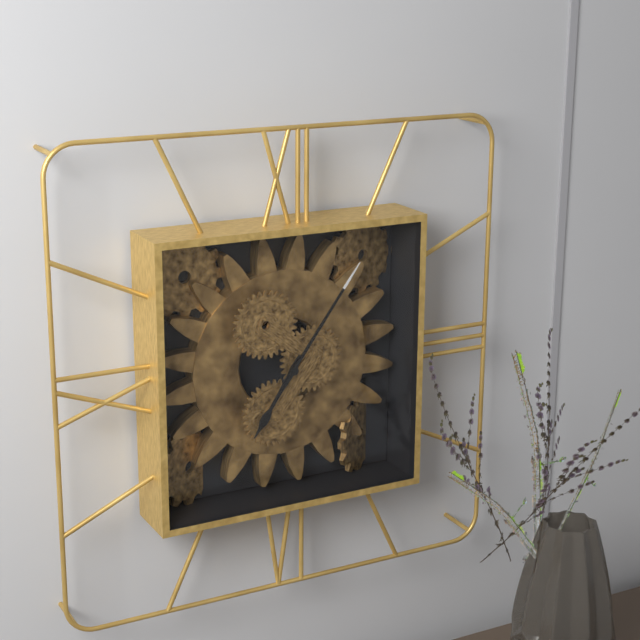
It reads **7:06**
